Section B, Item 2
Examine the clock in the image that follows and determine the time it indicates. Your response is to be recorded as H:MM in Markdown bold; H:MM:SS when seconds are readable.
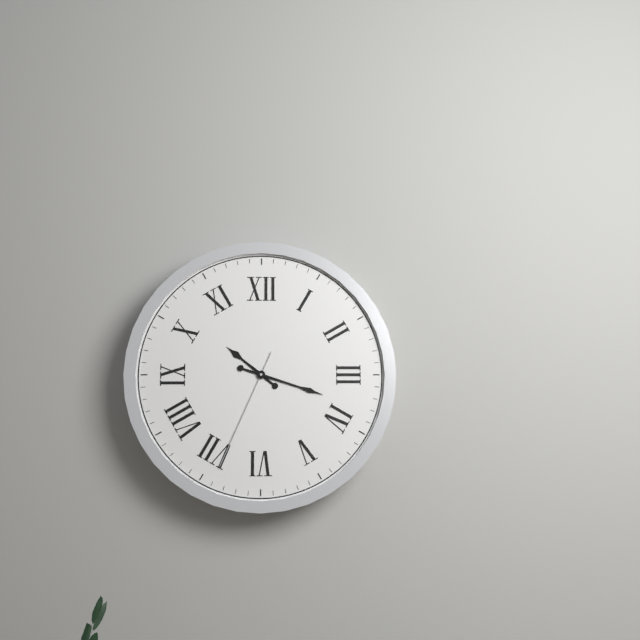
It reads **10:18:34**
